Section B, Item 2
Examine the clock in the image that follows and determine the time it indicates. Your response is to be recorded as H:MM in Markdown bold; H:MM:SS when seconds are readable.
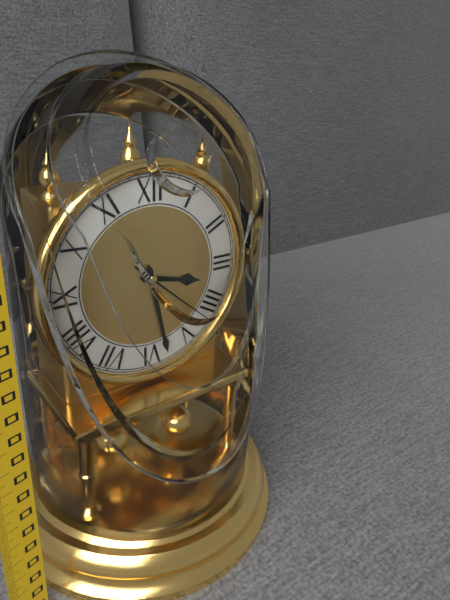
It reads **3:28:22**
